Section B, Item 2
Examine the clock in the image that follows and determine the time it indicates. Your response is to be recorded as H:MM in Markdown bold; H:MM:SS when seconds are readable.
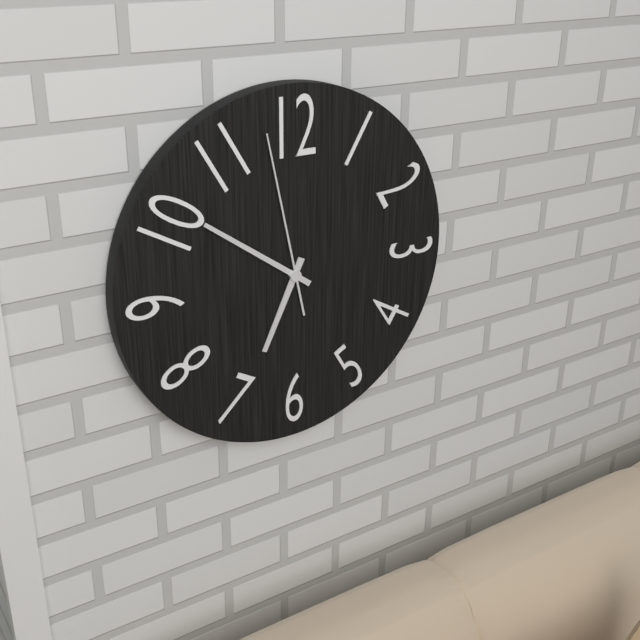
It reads **6:51:58**
